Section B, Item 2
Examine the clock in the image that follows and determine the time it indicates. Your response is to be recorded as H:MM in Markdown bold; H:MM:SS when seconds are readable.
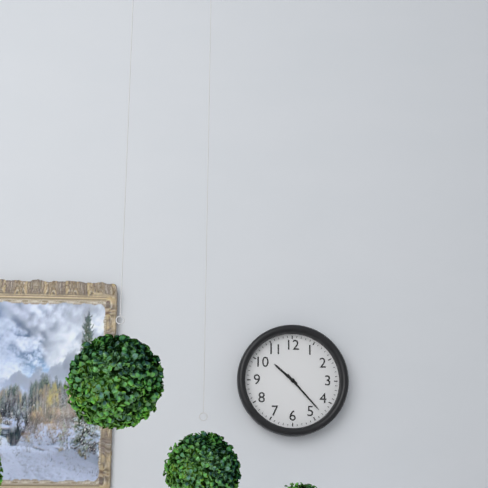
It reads **10:23**
